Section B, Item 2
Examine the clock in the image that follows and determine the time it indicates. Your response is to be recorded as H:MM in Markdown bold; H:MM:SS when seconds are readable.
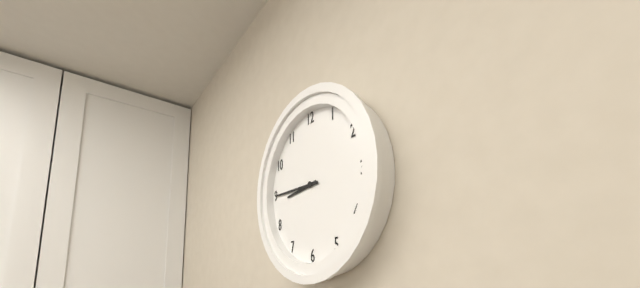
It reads **8:45**
